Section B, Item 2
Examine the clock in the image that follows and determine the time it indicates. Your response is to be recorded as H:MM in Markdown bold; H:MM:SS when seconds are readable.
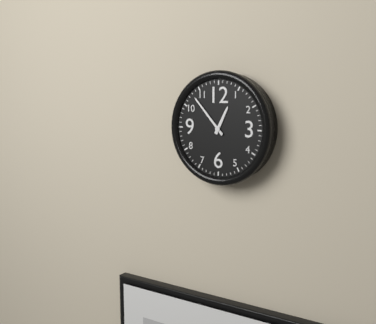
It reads **12:53**
